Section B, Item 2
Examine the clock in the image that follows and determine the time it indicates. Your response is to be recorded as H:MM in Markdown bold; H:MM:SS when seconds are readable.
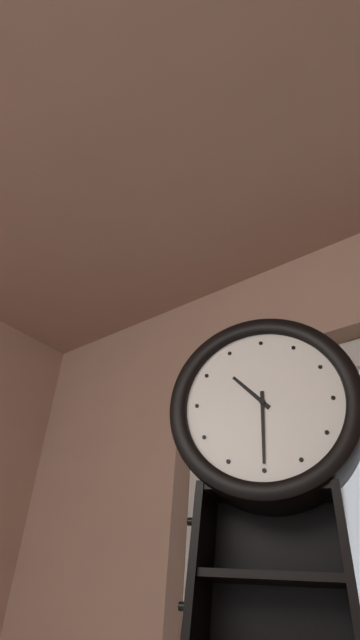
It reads **10:30**
